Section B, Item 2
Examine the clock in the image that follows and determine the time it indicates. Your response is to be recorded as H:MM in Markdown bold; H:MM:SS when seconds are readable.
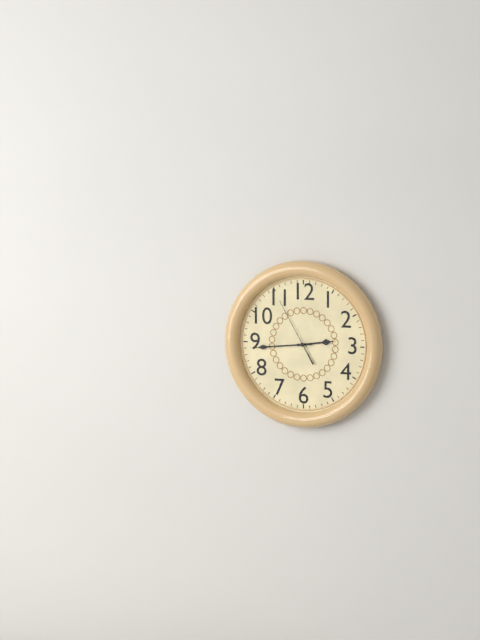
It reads **2:44:55**
